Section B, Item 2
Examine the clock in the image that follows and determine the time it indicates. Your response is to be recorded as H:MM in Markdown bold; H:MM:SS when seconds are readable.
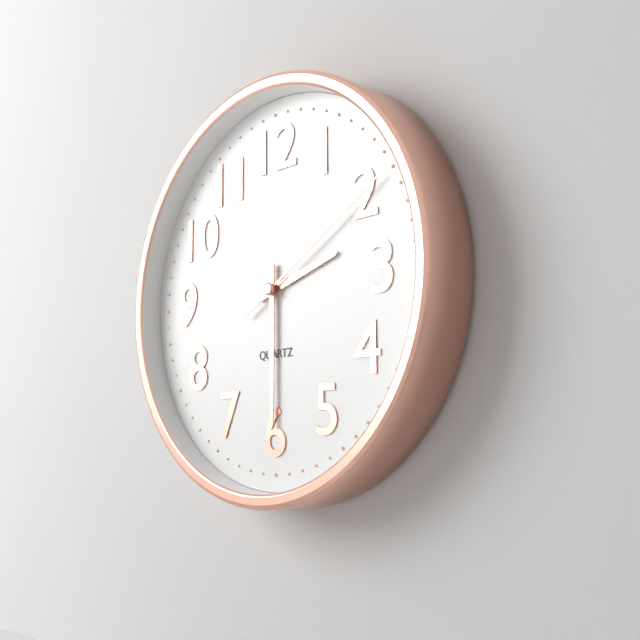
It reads **2:30:10**
